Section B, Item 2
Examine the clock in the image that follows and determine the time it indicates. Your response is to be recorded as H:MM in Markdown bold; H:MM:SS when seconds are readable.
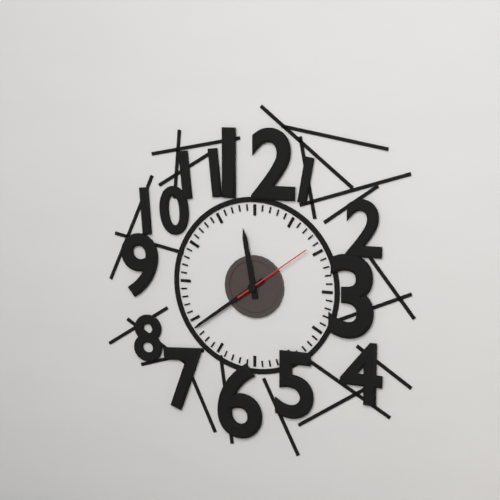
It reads **11:39:09**
